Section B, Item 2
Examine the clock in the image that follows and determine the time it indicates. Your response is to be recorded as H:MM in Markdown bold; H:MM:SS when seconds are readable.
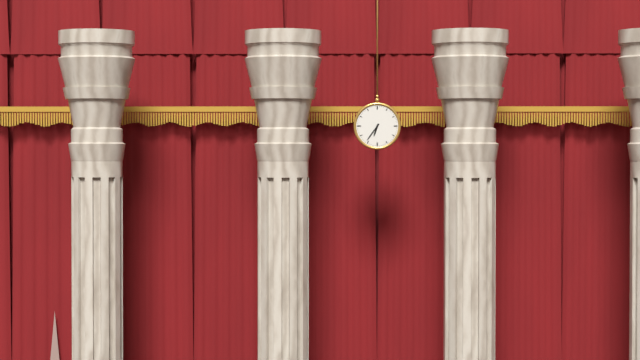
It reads **6:36**
